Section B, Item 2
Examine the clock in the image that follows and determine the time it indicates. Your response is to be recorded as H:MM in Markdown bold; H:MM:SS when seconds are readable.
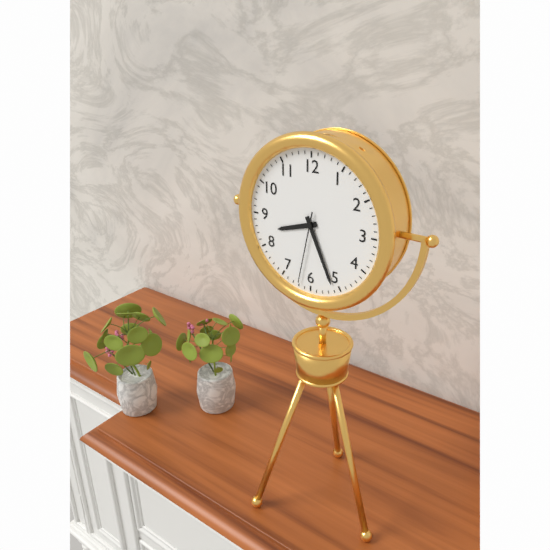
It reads **8:26:32**
